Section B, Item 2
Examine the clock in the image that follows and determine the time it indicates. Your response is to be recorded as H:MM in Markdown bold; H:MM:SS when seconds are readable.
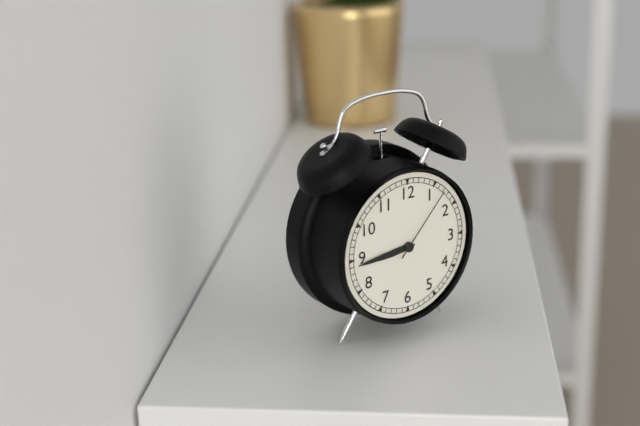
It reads **8:44:07**
